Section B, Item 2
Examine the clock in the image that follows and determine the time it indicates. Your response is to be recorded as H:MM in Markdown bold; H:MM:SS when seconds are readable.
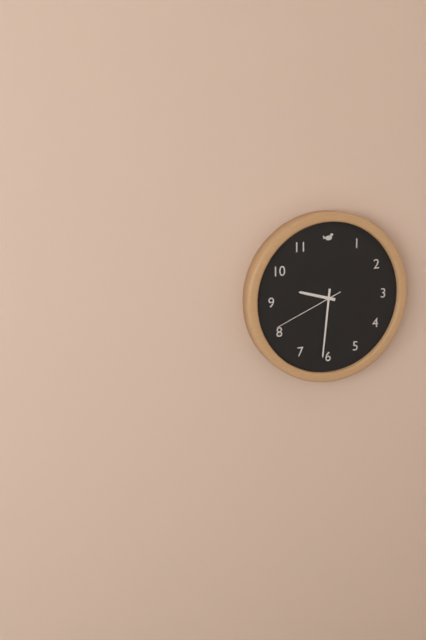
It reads **9:31:41**
